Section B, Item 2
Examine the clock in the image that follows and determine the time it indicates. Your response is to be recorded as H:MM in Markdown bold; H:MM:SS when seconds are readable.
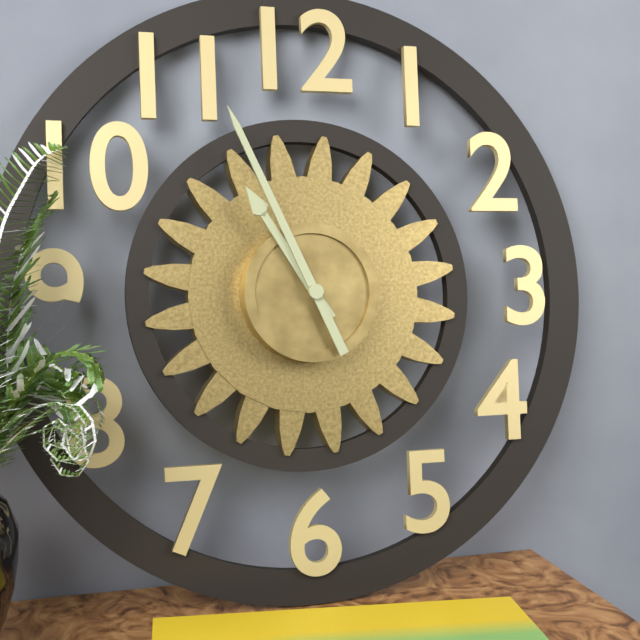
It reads **10:56**
